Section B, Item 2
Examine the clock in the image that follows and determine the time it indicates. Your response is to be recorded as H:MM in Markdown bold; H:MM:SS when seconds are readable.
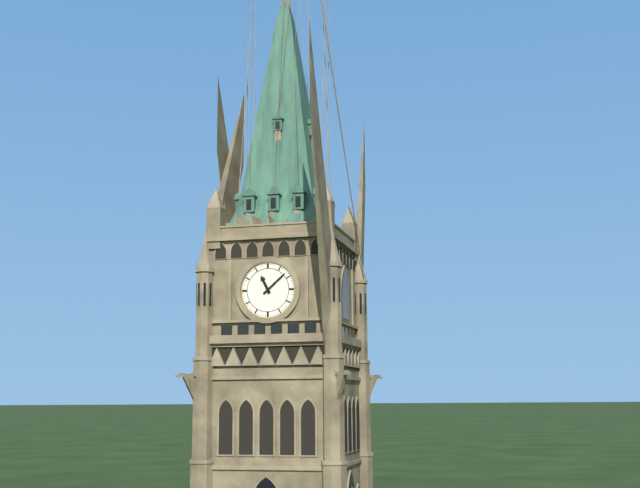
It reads **11:08**
